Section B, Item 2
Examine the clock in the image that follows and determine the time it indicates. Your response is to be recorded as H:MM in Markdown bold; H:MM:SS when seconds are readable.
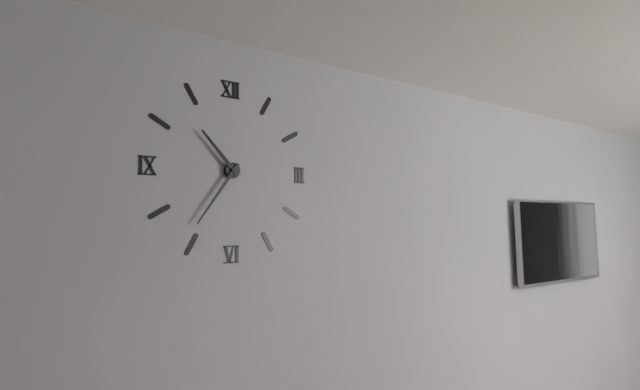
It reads **10:36**
